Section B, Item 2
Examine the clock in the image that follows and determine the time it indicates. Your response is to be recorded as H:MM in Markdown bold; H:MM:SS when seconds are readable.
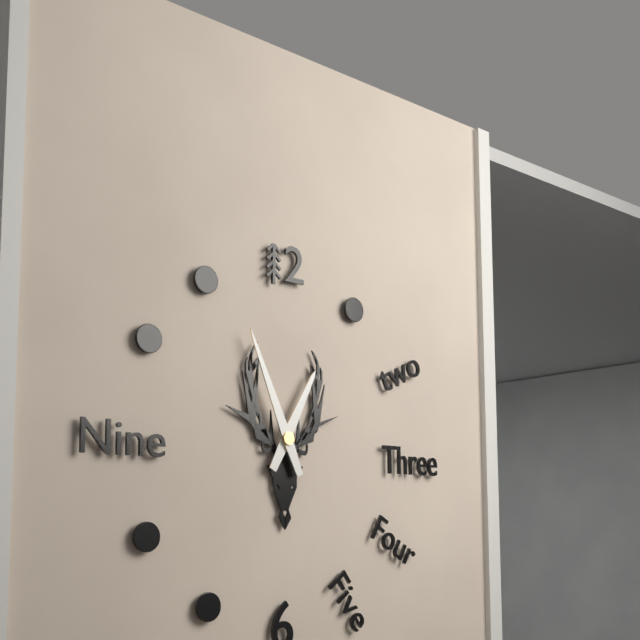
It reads **12:56**
